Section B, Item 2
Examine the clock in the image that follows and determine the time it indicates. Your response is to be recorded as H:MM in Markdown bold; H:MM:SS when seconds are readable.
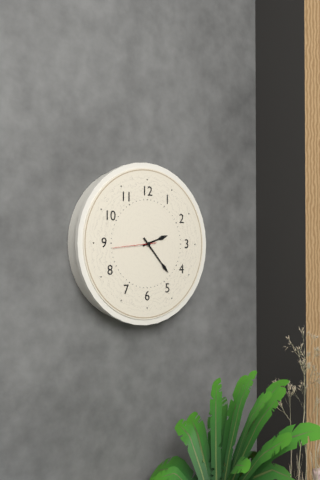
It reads **2:23**
